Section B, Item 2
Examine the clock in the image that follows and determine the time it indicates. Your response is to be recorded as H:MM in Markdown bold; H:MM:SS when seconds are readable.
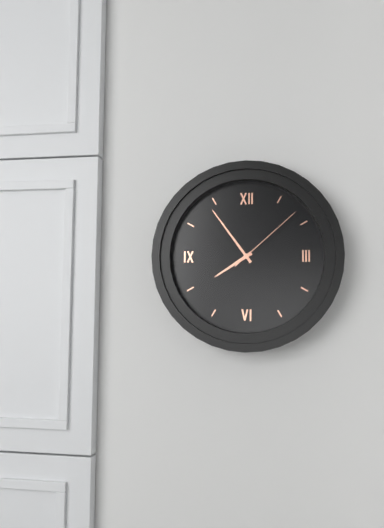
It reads **7:54:08**
